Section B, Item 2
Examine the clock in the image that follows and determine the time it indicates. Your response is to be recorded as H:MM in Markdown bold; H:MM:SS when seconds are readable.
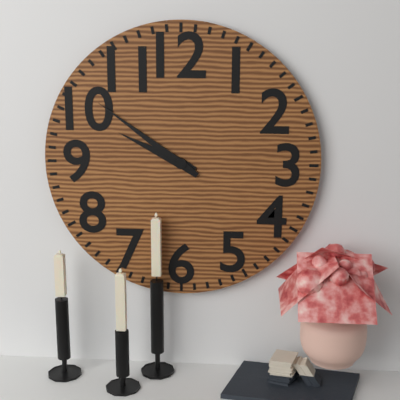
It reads **9:51**
